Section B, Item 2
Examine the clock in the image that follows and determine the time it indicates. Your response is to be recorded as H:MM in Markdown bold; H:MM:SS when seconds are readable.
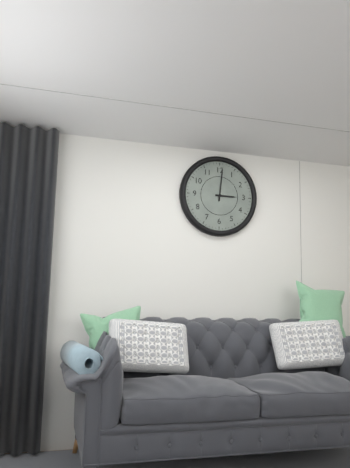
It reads **3:01**
